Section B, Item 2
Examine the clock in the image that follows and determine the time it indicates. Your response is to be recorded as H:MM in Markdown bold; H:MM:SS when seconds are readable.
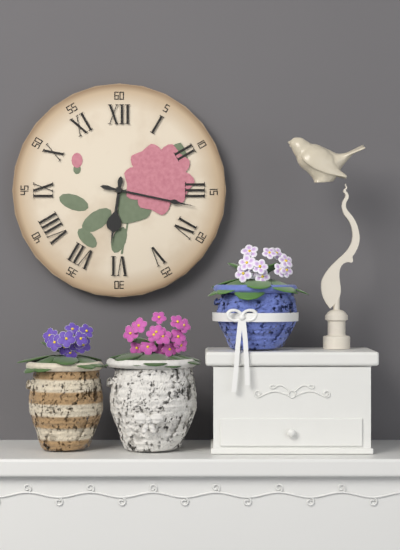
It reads **6:17**
